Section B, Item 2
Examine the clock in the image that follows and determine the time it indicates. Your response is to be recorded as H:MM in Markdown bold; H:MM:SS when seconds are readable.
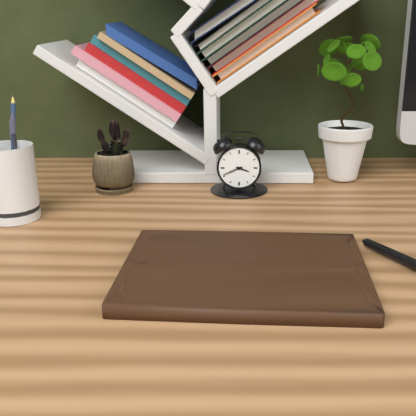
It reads **3:41**
